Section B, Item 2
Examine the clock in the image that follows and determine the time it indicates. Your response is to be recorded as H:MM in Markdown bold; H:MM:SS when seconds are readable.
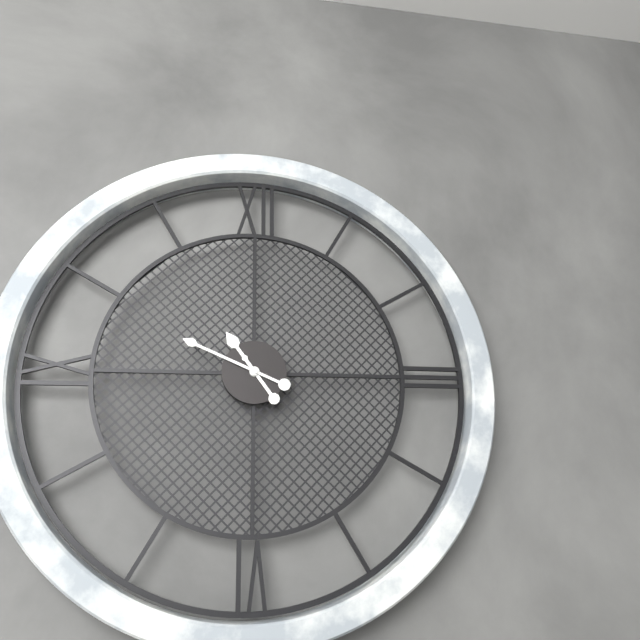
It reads **10:49**
